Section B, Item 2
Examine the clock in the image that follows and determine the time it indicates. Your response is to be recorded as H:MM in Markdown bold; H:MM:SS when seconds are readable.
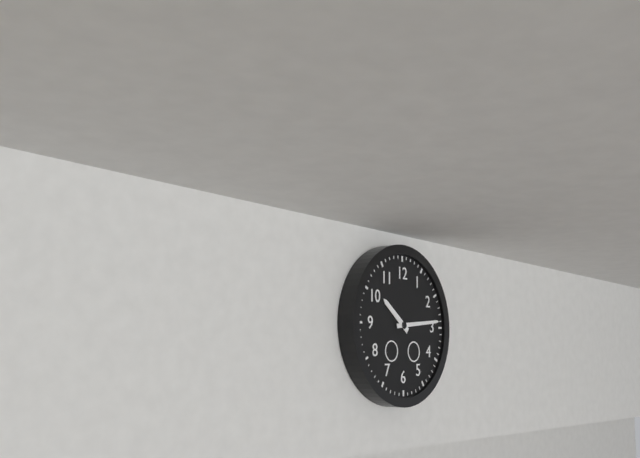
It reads **10:14**
